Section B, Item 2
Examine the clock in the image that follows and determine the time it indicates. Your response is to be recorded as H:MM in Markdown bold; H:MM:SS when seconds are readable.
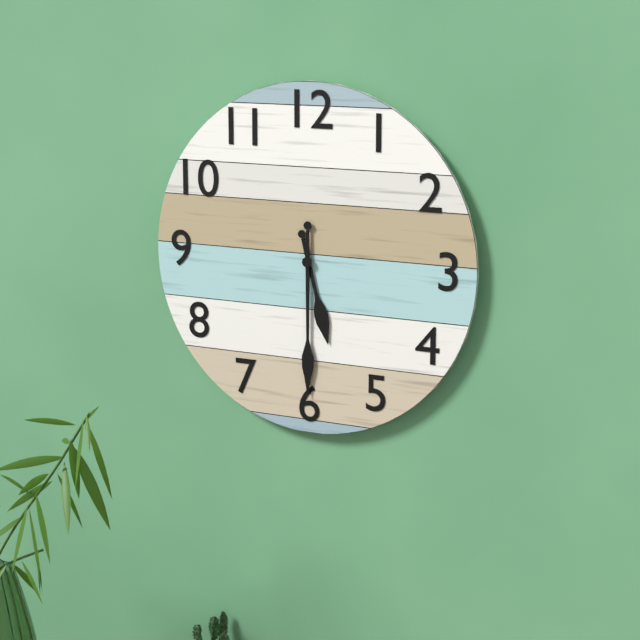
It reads **5:30**
